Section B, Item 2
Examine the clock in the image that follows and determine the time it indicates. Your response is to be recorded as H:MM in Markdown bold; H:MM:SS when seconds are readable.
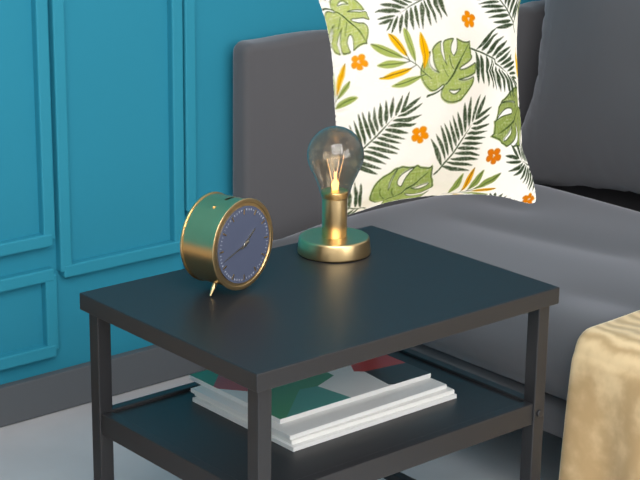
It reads **1:42**
